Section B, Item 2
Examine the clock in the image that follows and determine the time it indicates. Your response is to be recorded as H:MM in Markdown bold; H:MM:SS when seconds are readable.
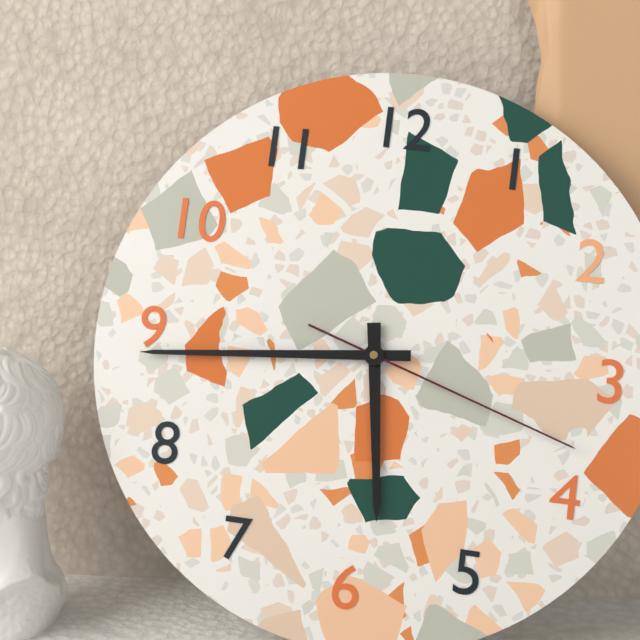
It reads **5:44:18**
